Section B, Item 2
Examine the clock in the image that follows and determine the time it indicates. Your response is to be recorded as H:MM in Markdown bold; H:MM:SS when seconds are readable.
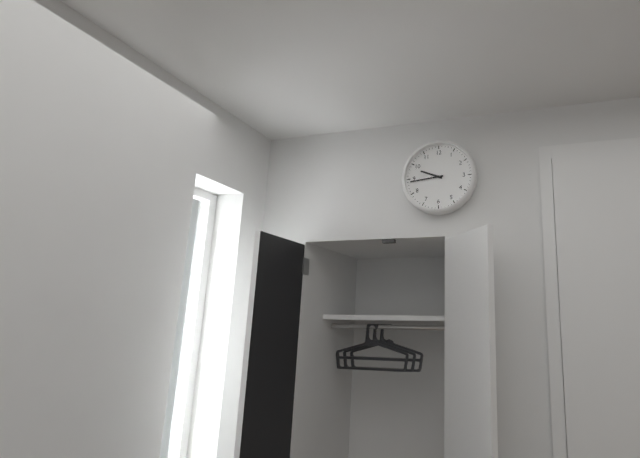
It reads **9:44**
